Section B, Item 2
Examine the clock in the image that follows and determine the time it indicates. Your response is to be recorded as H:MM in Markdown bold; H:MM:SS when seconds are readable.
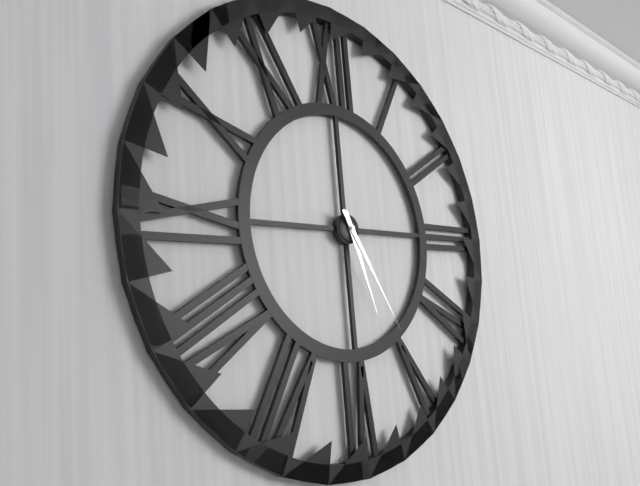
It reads **5:25**
